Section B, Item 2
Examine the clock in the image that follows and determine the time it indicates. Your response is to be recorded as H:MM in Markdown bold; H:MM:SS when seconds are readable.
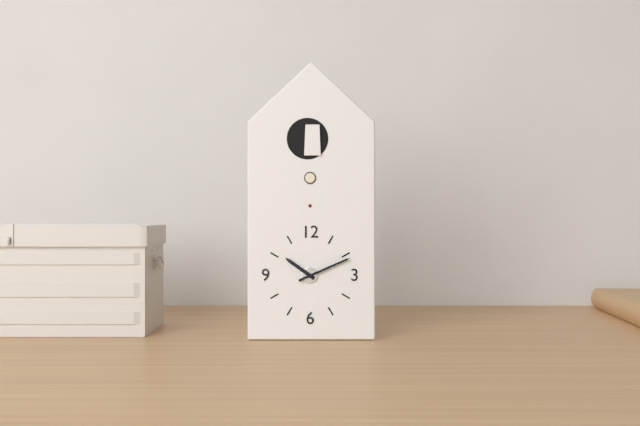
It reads **10:11**
